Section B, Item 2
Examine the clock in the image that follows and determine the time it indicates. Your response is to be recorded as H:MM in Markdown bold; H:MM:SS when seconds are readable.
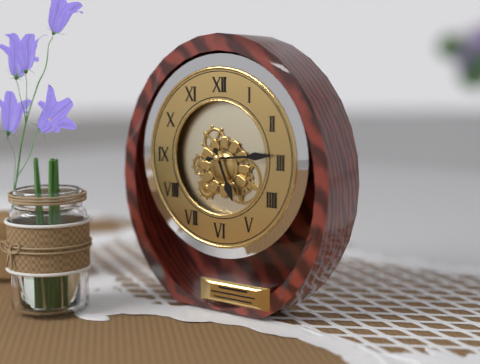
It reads **5:14**
